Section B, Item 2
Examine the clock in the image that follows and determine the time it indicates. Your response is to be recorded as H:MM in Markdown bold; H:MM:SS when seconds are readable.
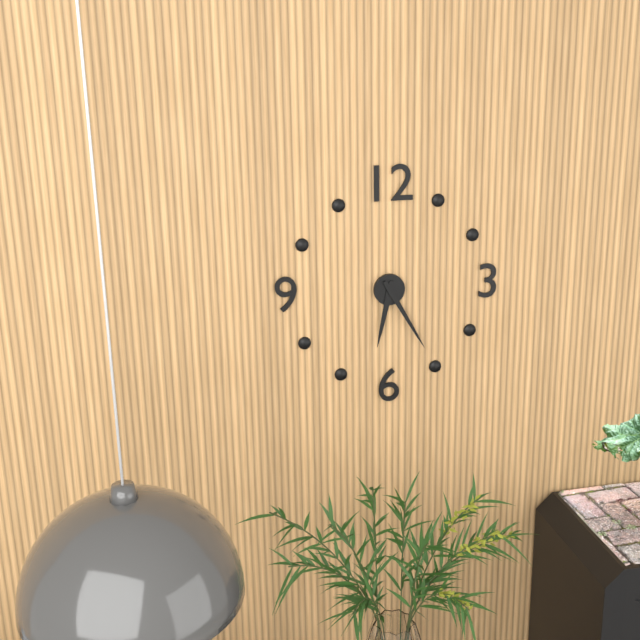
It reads **6:25**
